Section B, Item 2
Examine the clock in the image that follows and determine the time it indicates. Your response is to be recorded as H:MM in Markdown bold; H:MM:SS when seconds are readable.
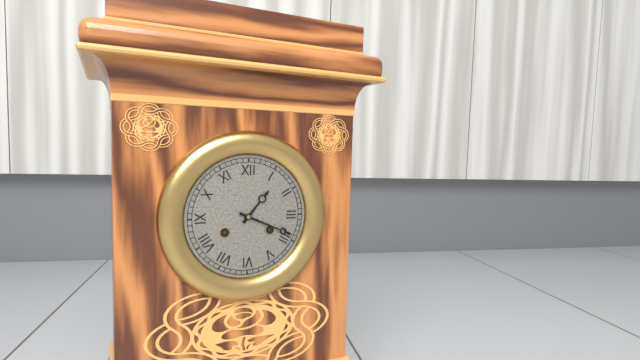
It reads **1:19**
